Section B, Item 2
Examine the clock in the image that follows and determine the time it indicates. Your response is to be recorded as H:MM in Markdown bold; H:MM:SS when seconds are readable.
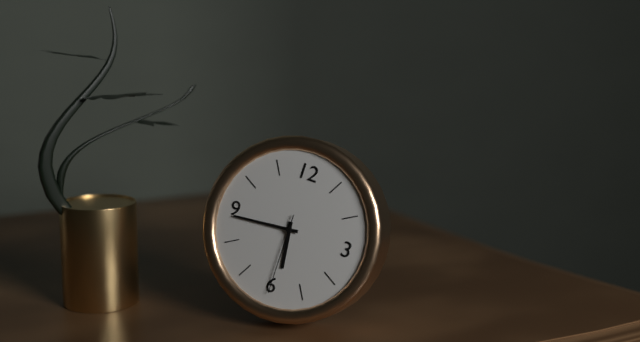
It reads **5:44:30**
